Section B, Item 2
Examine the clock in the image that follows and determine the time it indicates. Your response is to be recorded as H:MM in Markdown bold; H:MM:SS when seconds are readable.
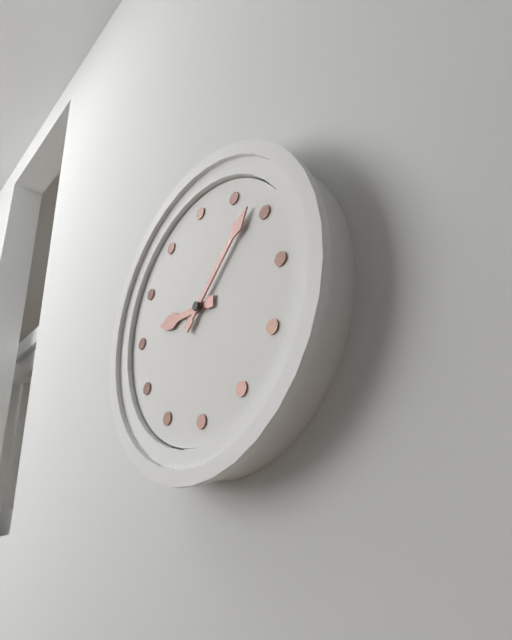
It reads **9:08**
